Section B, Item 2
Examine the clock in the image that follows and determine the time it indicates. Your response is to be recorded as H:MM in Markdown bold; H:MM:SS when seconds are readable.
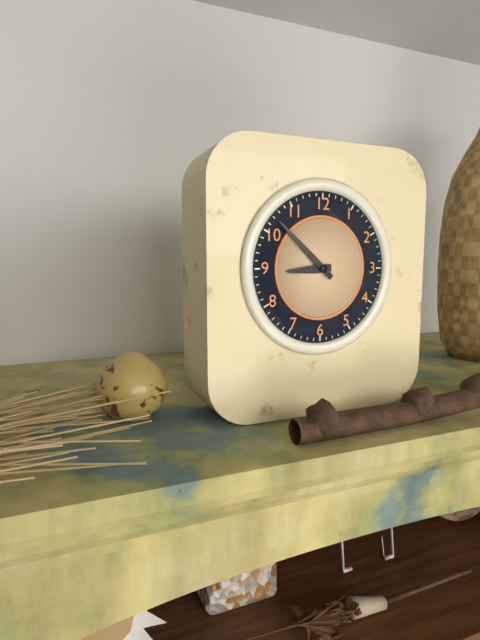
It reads **8:52**
